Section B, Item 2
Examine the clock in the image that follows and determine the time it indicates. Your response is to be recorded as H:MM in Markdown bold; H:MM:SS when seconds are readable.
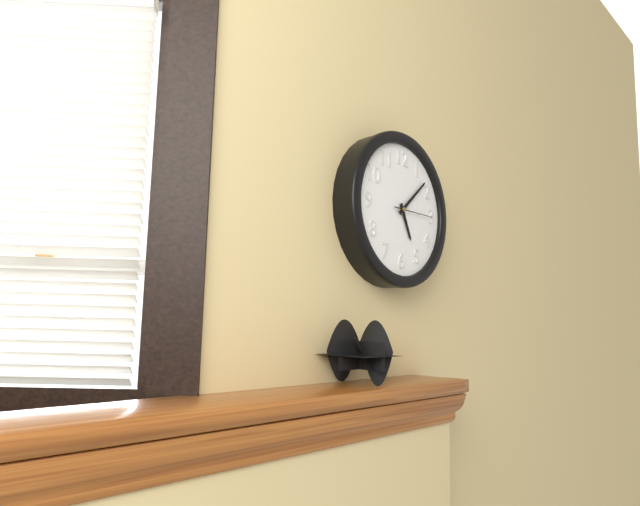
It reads **5:08:15**
